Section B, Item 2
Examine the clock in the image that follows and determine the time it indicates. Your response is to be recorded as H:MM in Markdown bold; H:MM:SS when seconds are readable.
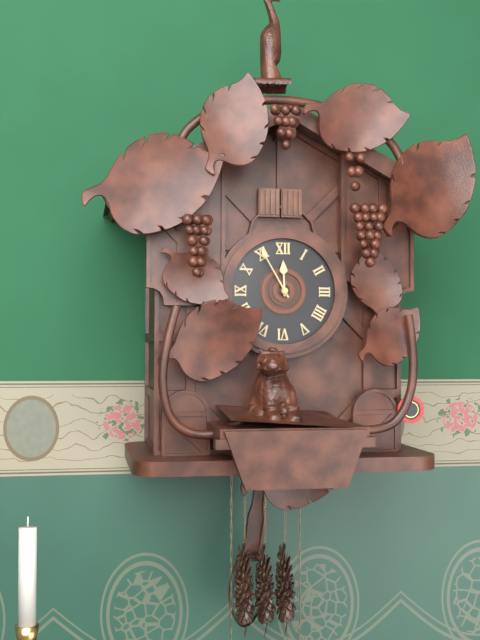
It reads **11:55**
